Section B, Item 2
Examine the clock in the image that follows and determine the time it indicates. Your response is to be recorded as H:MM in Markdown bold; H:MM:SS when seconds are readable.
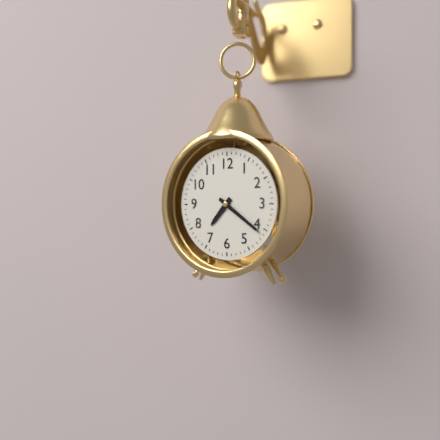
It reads **7:21**
